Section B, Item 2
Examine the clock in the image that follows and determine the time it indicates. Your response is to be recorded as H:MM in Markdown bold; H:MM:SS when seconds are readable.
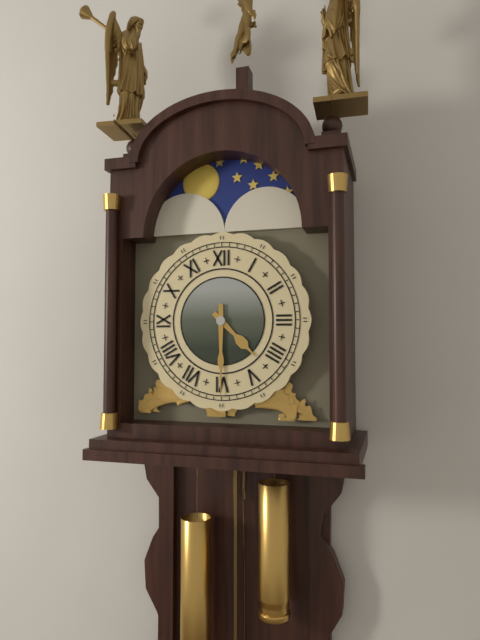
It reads **4:30**
